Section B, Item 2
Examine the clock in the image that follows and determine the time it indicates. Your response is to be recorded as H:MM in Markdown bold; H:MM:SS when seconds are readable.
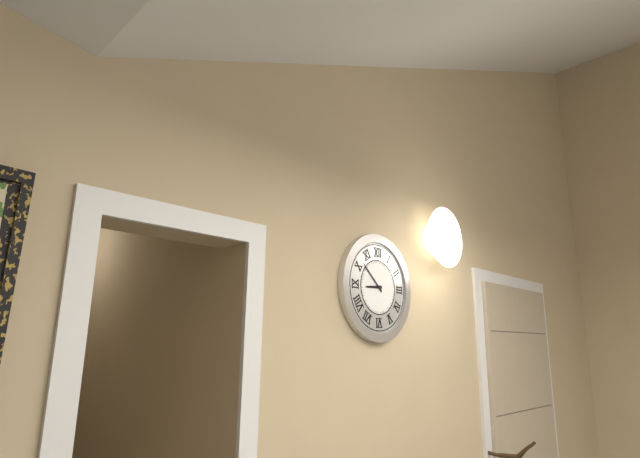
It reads **8:52**
